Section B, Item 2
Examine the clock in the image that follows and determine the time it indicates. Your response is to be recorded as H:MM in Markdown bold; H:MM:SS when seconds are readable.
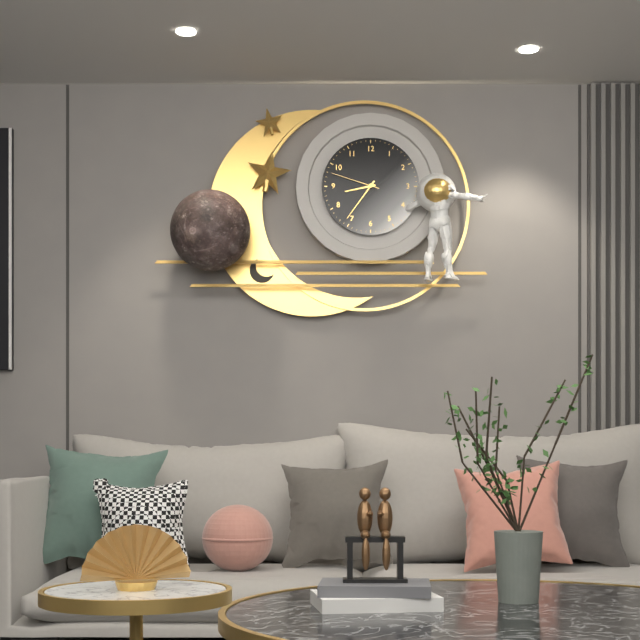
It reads **8:36:48**
